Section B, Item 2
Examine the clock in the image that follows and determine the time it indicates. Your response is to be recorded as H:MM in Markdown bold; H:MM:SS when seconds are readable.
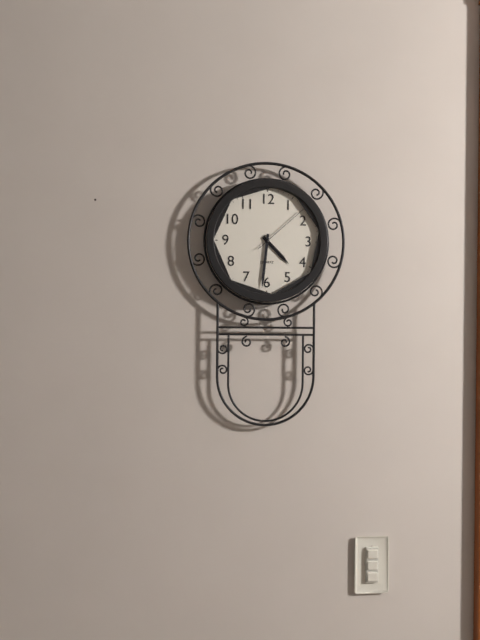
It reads **4:31:08**
